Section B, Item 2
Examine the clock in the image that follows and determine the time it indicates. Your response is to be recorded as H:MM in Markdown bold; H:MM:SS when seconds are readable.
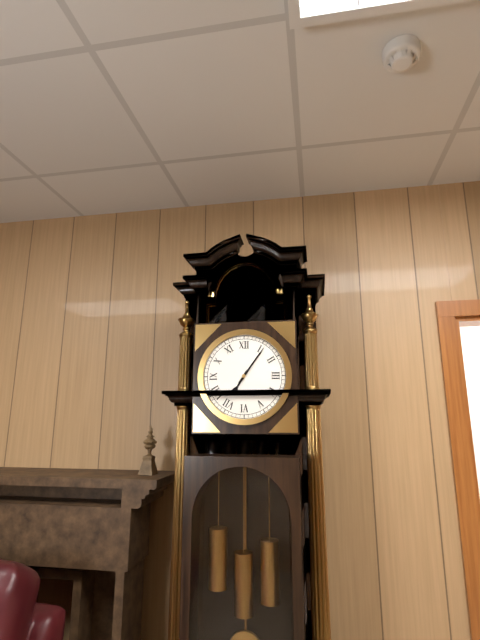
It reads **7:06**
